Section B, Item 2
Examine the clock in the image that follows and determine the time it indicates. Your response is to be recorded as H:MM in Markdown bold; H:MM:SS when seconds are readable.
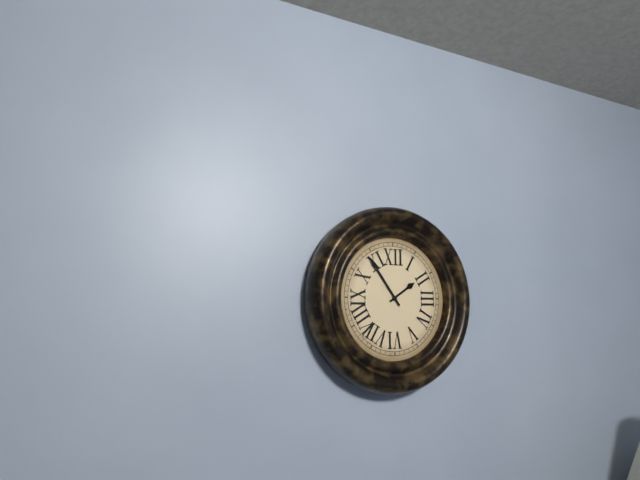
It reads **1:54**
